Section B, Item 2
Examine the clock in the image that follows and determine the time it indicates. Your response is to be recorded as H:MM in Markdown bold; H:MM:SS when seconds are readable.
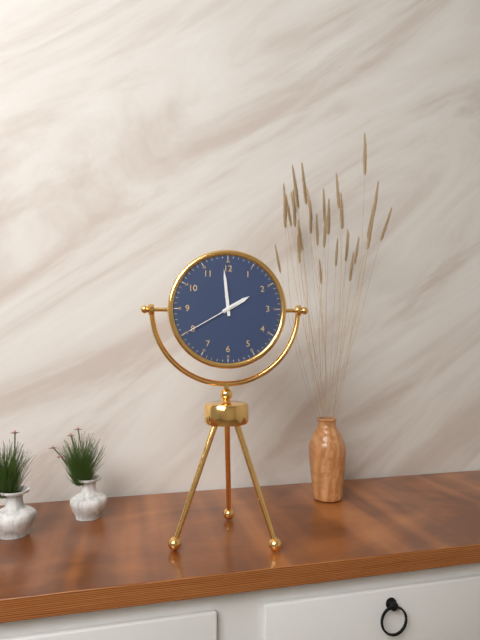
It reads **1:59:40**
